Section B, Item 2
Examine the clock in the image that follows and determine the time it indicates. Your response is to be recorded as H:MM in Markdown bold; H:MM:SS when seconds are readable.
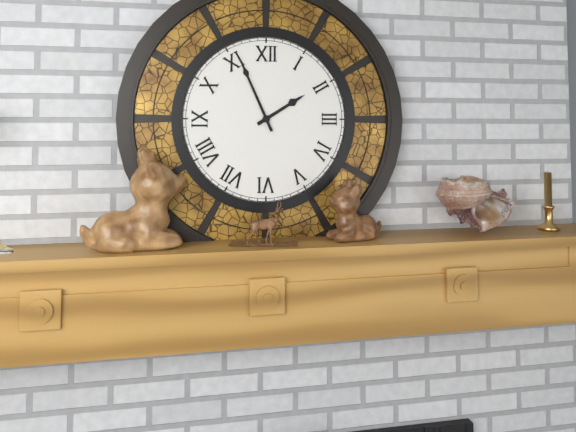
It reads **1:56**
